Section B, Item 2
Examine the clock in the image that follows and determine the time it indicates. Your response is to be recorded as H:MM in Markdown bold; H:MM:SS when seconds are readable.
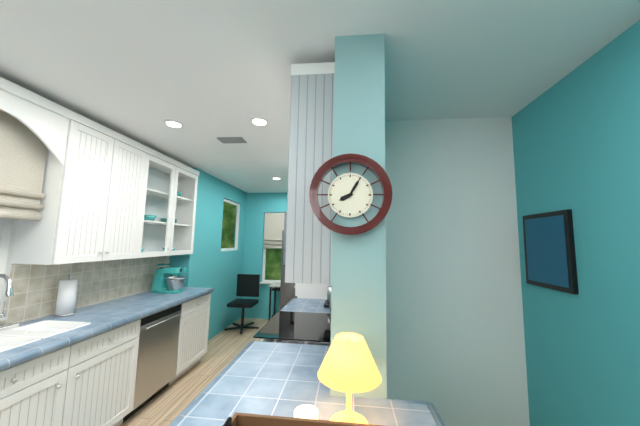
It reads **8:05**
